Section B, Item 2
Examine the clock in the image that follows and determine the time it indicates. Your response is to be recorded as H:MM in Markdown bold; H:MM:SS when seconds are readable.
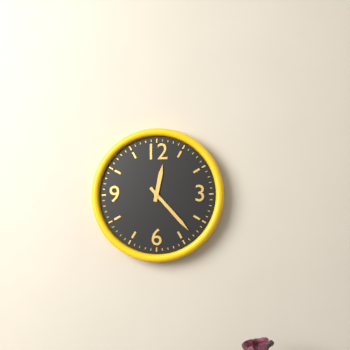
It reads **12:23**
